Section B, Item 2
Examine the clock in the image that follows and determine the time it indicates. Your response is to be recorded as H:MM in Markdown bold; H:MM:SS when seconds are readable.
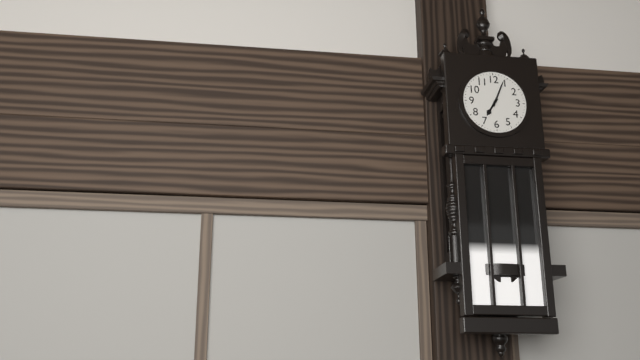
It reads **7:04**
